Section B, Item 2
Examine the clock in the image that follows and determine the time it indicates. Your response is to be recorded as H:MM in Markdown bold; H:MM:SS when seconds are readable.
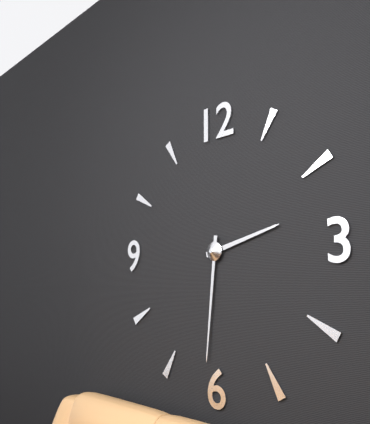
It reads **2:31**
